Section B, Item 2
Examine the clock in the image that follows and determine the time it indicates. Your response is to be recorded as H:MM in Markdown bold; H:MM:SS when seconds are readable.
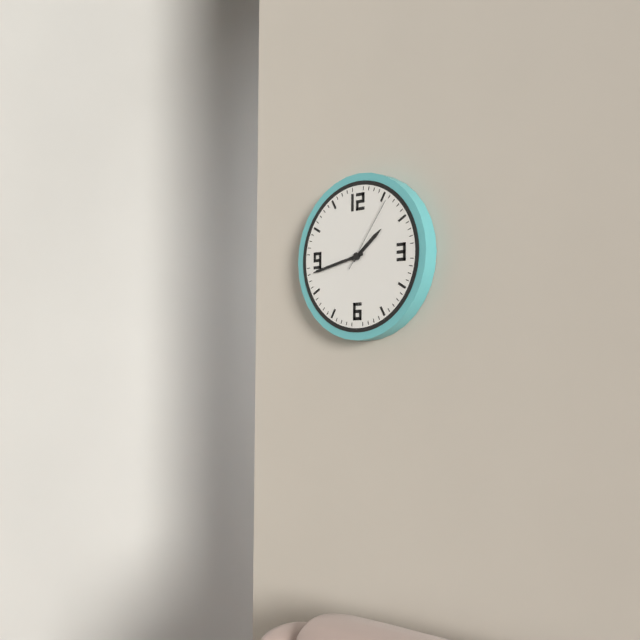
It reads **1:43:06**
